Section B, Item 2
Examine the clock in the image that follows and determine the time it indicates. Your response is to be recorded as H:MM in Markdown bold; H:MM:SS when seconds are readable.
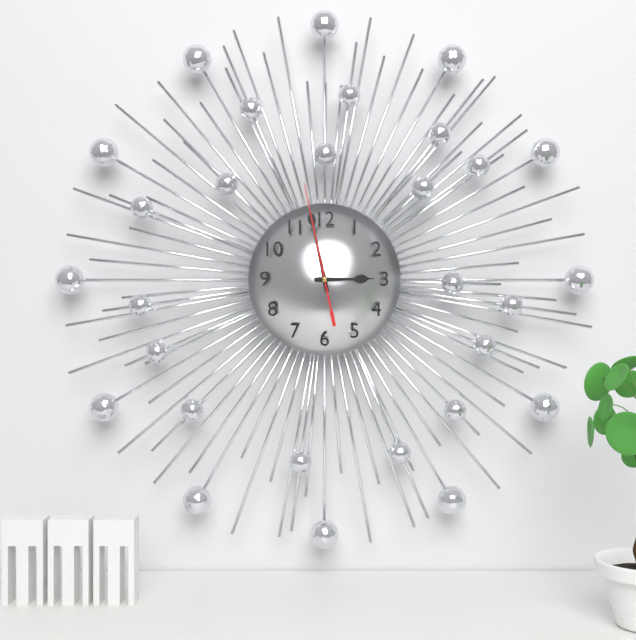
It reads **2:58:58**
